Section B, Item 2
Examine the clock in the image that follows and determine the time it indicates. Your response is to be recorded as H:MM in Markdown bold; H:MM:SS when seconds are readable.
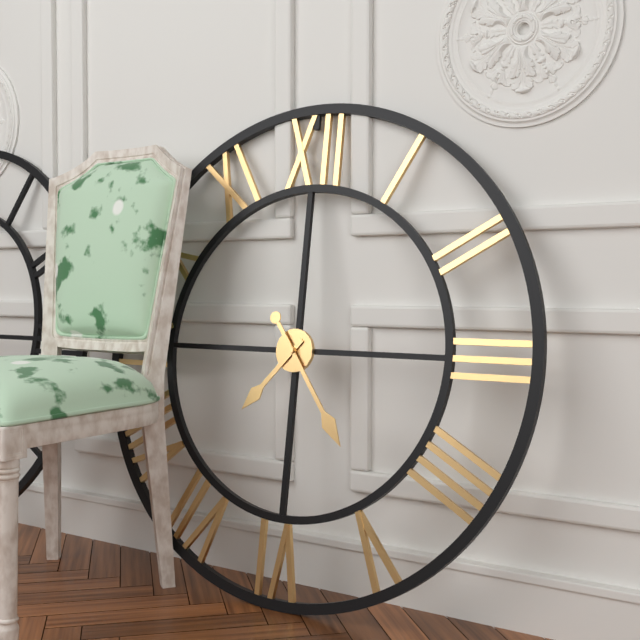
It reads **7:24**
